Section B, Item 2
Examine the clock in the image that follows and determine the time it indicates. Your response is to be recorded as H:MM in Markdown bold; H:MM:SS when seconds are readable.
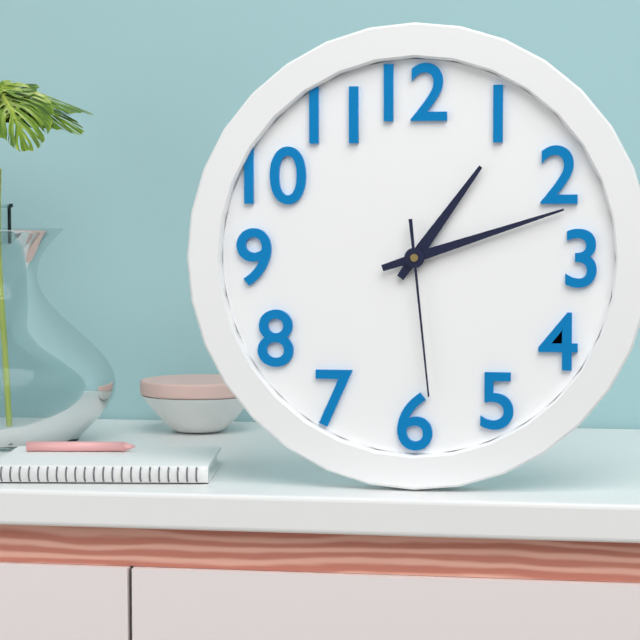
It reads **1:12:29**
